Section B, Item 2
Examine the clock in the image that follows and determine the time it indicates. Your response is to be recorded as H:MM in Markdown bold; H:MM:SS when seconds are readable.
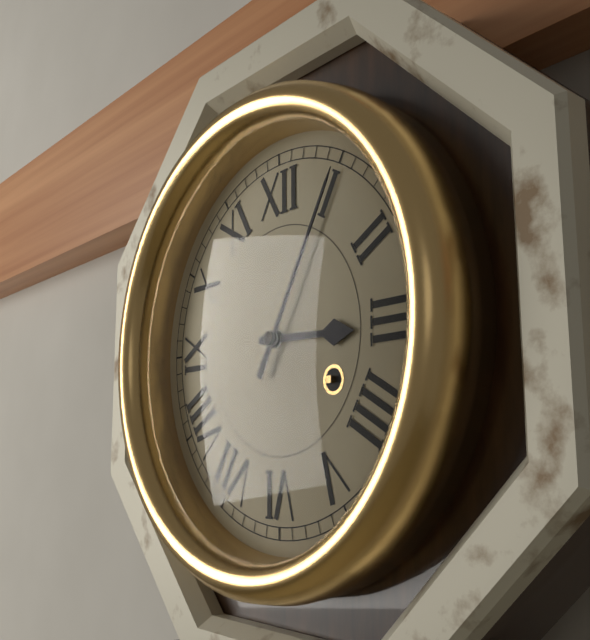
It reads **3:05**
